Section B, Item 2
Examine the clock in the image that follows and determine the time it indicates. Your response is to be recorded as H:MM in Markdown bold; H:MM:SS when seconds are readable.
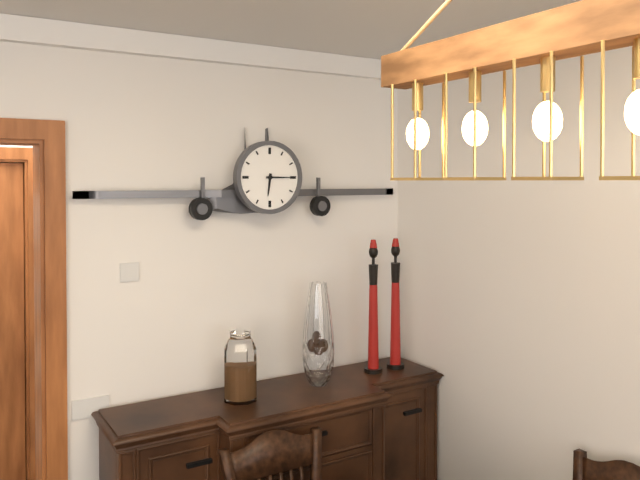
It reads **6:15**
